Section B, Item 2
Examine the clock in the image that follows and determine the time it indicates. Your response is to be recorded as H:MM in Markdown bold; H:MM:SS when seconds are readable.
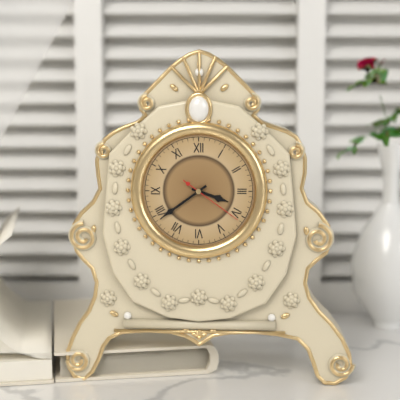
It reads **3:39:21**
